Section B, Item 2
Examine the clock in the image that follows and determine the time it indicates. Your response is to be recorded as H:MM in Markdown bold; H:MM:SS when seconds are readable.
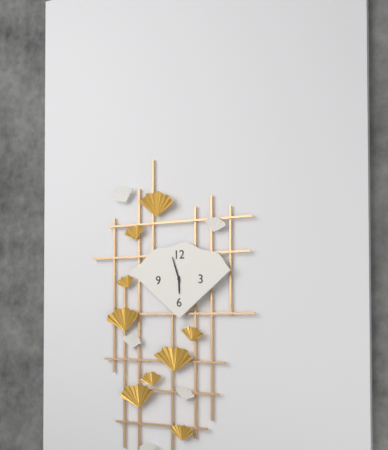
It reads **5:57**
